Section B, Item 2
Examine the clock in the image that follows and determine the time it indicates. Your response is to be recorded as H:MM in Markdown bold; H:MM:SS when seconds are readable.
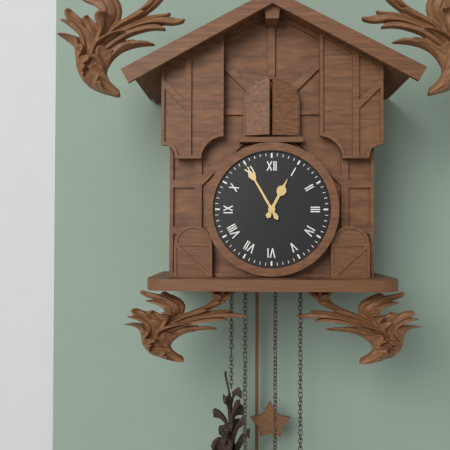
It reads **12:55**
